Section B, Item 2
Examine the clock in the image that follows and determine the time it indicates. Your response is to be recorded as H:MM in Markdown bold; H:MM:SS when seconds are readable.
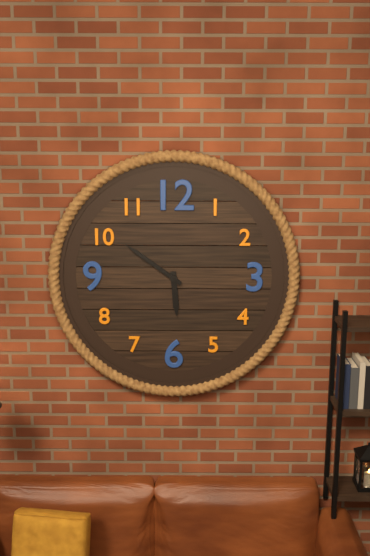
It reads **5:51**
